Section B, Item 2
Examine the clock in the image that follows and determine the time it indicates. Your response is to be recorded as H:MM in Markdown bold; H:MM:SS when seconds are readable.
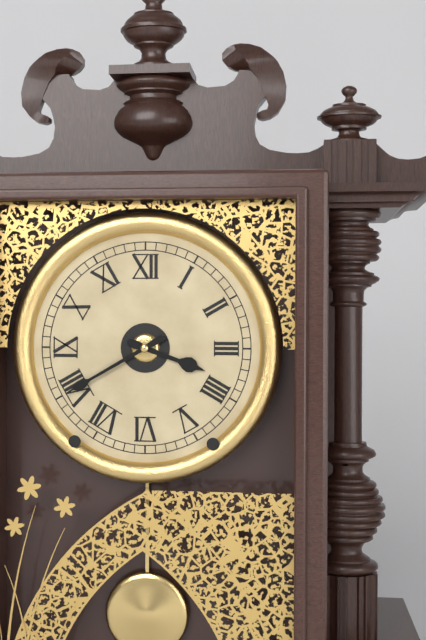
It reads **3:40**
